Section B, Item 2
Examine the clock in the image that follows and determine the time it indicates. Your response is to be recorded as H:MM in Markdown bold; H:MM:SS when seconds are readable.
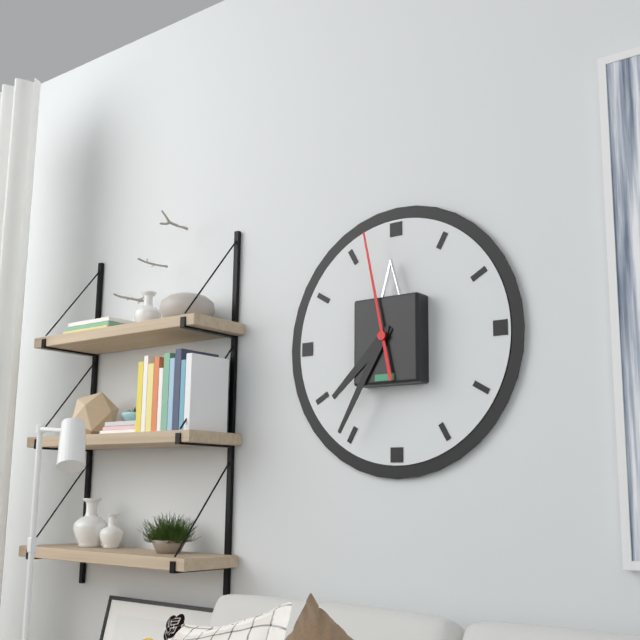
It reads **7:35:58**
